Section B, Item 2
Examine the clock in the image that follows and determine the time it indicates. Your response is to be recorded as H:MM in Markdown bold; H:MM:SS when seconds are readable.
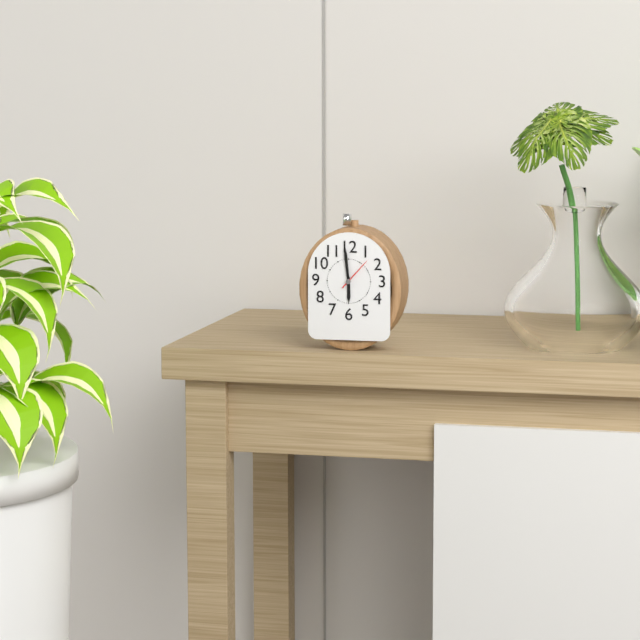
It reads **5:59**
